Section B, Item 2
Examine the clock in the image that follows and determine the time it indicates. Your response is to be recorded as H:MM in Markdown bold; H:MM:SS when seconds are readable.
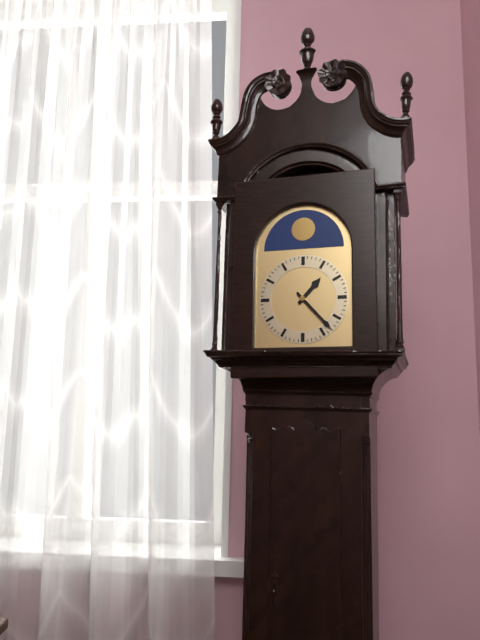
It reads **1:23**
